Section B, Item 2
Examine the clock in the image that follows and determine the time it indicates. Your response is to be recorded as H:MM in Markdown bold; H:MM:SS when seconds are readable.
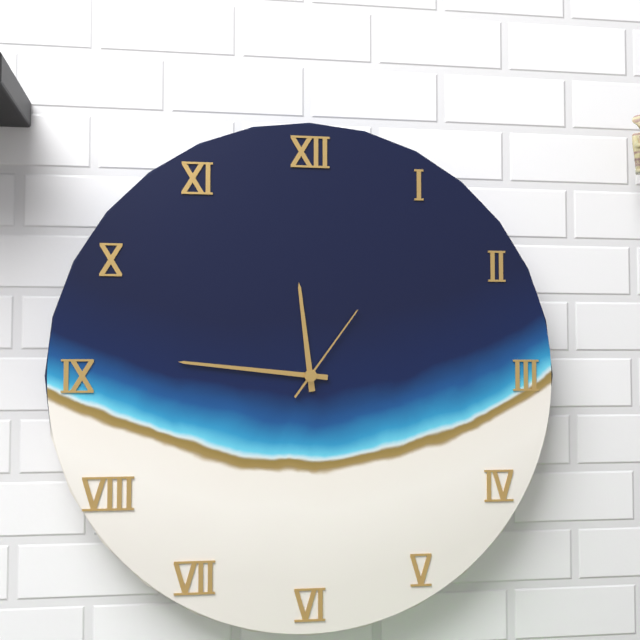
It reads **11:46:06**
